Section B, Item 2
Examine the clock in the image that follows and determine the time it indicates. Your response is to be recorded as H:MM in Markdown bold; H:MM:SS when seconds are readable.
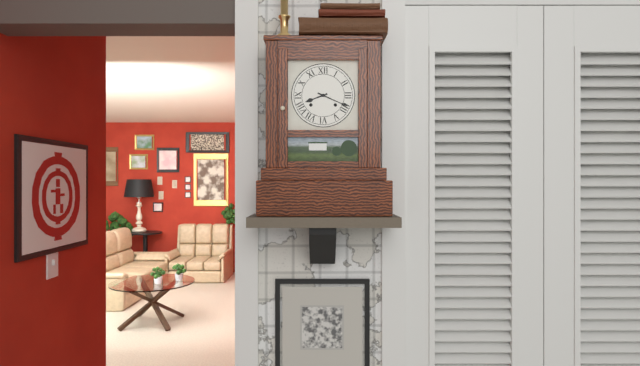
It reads **8:19**
